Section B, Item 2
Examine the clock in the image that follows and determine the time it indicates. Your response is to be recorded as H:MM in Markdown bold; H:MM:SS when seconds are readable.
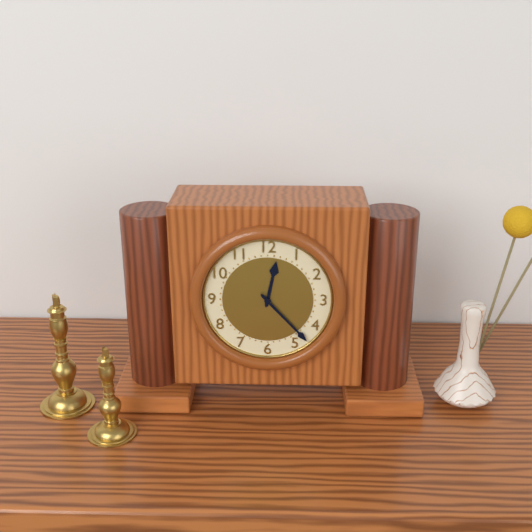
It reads **12:23**
